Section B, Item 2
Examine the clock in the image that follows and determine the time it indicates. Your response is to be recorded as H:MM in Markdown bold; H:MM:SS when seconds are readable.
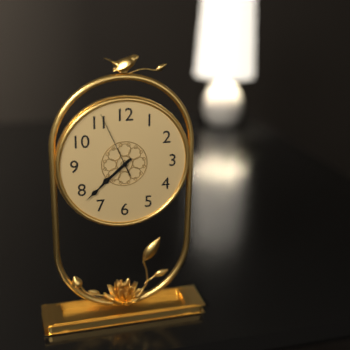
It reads **7:38:56**
